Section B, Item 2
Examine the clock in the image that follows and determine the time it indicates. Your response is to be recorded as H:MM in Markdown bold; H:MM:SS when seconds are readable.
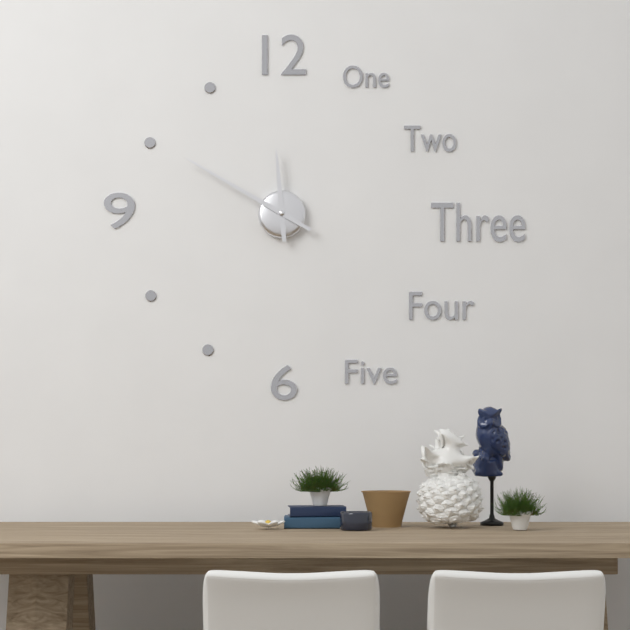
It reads **11:50**
